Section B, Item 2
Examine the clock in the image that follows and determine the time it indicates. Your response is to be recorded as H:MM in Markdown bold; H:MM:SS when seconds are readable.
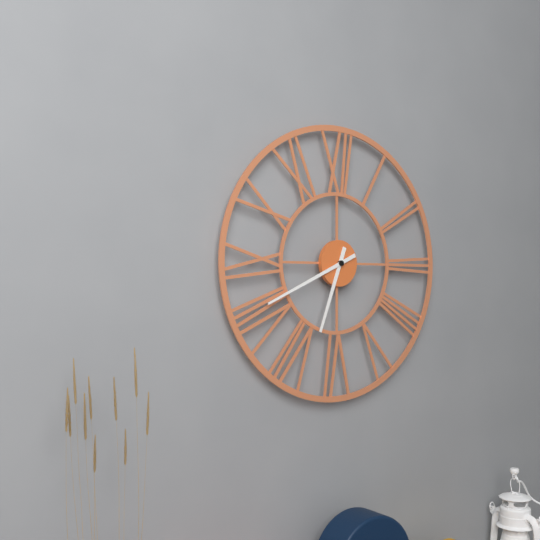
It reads **6:41**
